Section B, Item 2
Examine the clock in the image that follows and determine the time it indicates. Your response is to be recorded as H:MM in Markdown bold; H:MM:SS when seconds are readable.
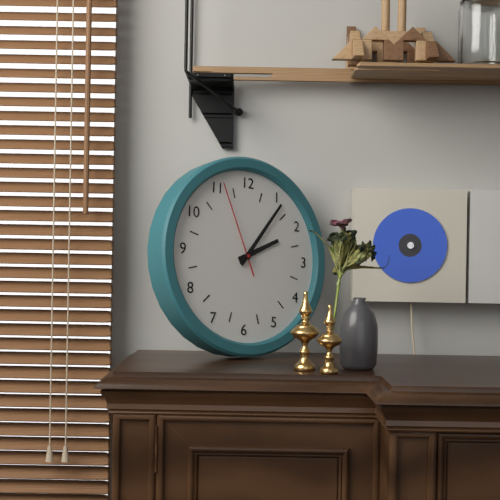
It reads **2:06:56**
